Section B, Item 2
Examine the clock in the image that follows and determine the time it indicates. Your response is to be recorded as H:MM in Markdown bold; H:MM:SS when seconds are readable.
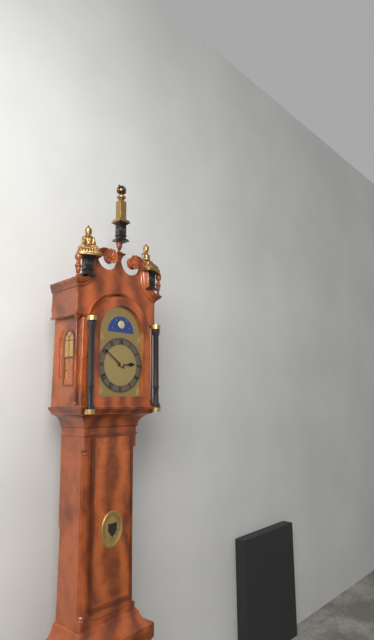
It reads **2:51**
